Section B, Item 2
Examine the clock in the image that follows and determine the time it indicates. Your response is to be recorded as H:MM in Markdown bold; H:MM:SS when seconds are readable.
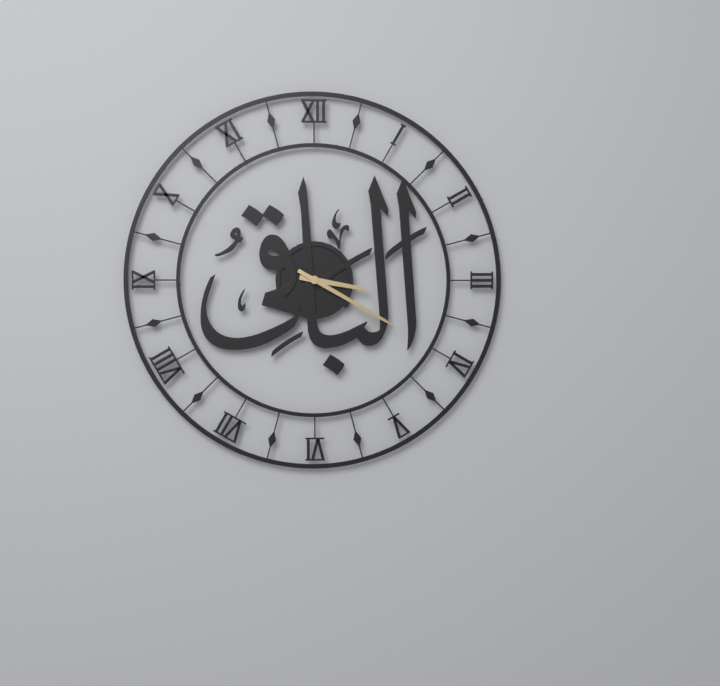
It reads **3:20**
